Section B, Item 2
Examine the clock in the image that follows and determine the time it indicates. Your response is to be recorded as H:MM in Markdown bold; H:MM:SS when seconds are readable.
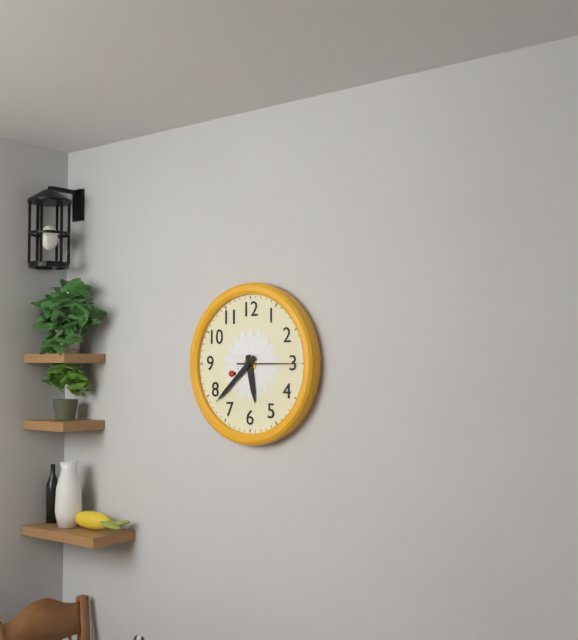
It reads **5:38**
